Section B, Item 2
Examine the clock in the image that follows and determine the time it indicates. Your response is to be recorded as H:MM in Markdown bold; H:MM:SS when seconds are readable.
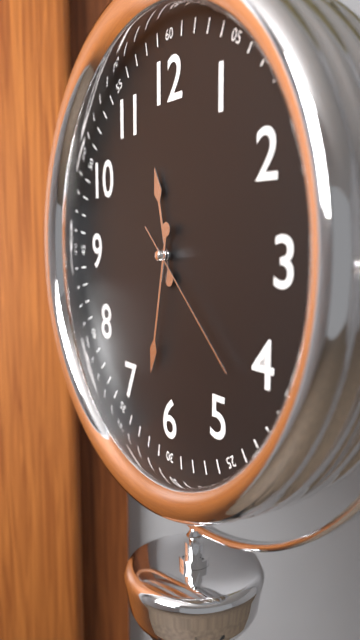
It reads **11:32:22**
